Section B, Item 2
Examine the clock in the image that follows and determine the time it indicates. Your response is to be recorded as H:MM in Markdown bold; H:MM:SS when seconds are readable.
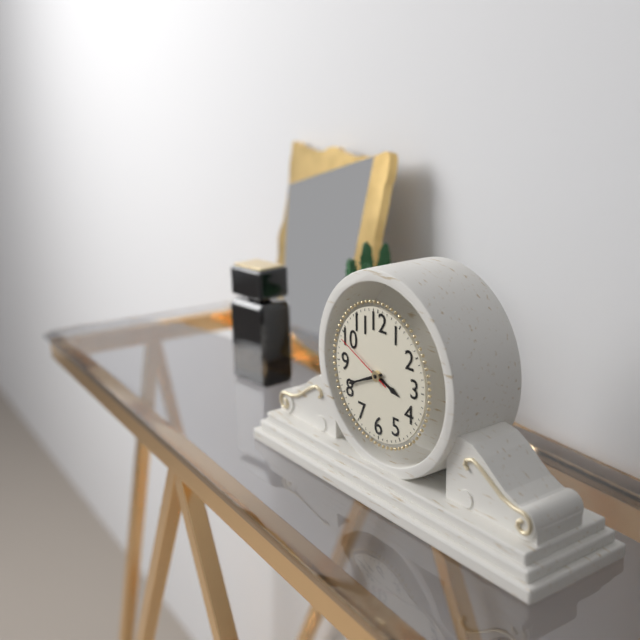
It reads **3:41:49**
